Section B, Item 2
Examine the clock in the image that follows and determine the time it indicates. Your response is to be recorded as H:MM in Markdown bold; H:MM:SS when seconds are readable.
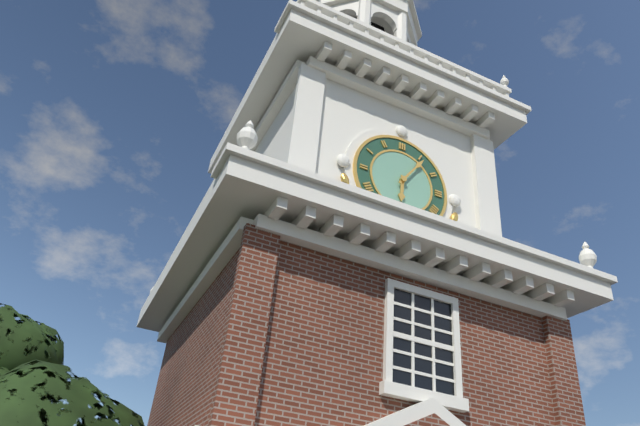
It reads **6:06**
